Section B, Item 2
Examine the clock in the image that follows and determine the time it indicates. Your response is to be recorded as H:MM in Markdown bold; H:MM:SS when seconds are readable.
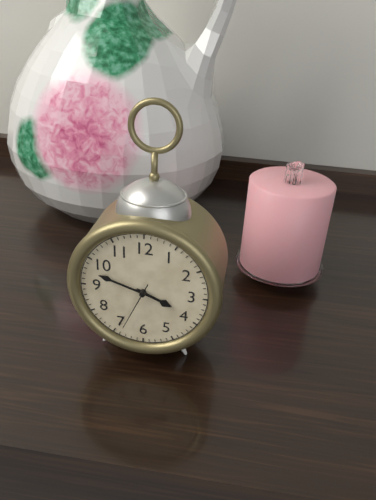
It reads **3:48**
